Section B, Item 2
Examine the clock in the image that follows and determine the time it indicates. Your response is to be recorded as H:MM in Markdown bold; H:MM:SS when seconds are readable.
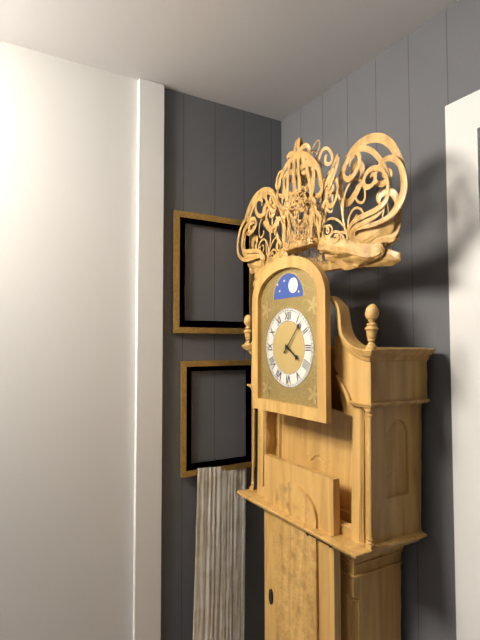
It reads **4:07**
